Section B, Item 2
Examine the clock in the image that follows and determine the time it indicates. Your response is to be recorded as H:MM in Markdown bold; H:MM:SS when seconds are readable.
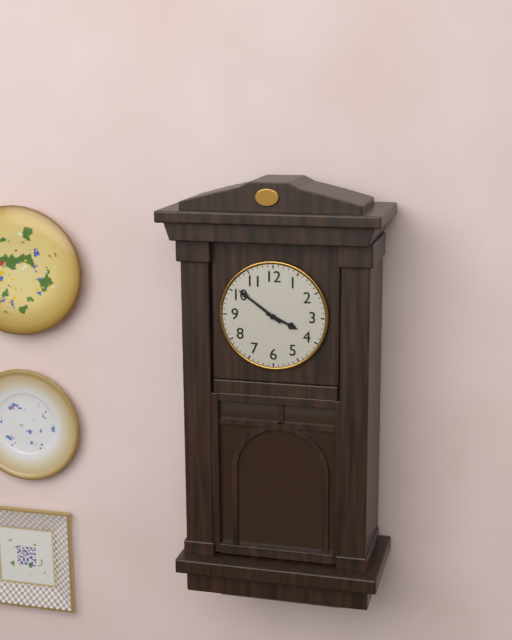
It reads **3:51**
